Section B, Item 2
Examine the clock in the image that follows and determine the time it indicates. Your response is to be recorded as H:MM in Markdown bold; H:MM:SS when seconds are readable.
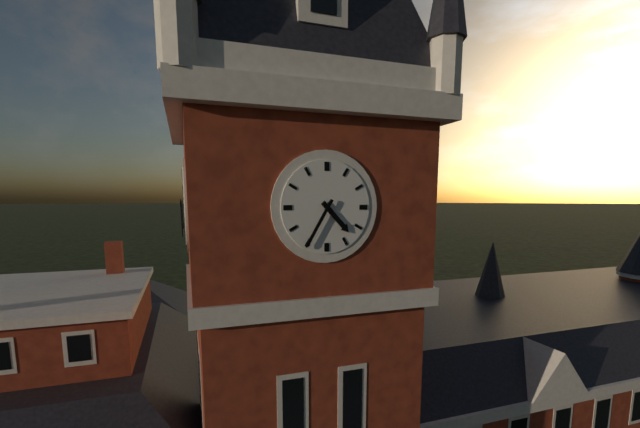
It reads **4:35**
